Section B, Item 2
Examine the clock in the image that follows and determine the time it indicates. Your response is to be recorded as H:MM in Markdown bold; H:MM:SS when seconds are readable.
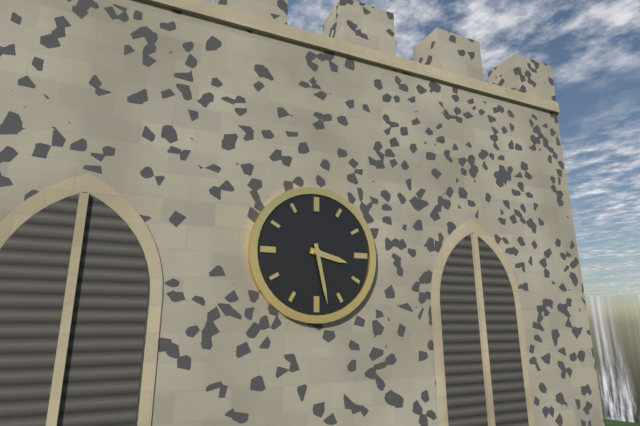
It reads **3:28**
